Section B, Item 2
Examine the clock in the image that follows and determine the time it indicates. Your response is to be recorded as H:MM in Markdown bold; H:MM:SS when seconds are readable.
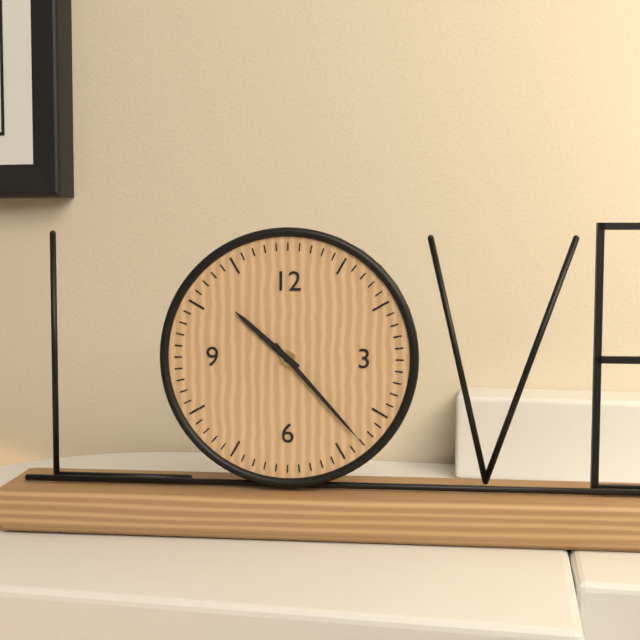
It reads **10:23**
